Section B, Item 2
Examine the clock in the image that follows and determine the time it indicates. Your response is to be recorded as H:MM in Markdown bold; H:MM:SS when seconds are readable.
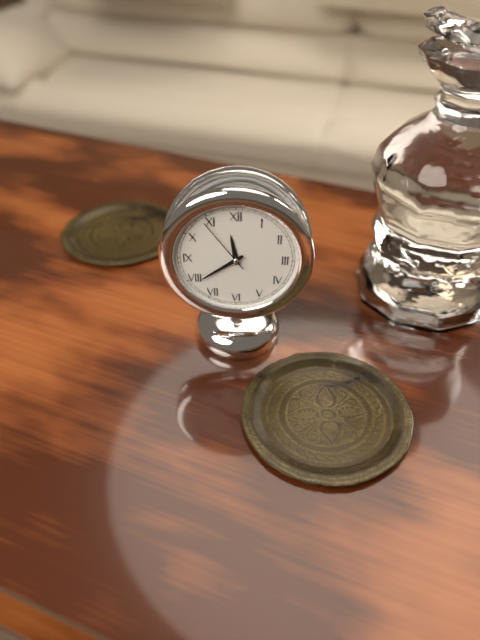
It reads **11:39:54**
